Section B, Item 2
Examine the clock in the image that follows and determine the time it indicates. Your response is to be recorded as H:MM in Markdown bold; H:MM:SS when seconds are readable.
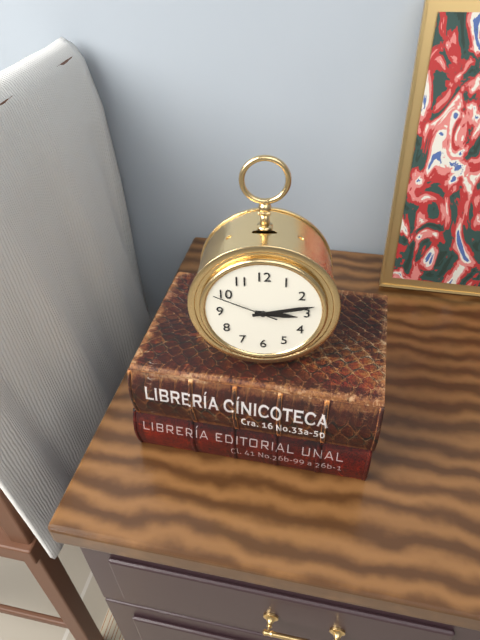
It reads **3:13:49**
